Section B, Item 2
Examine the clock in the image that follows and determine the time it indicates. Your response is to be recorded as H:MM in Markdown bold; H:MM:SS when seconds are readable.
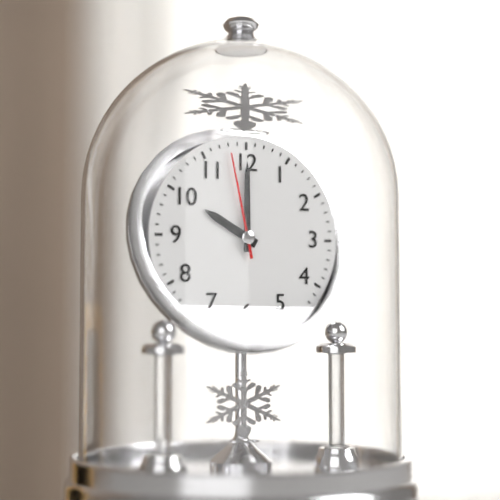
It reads **10:00:58**
